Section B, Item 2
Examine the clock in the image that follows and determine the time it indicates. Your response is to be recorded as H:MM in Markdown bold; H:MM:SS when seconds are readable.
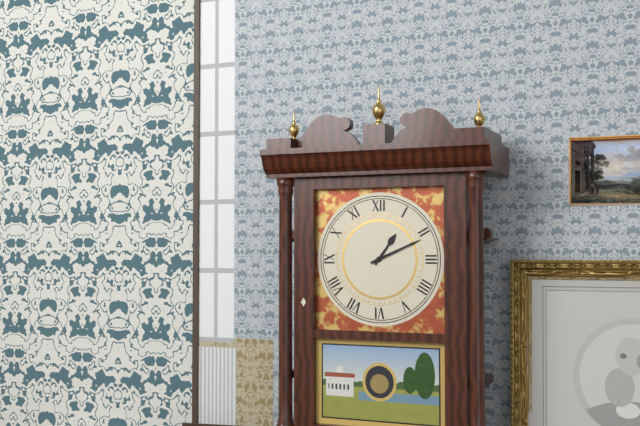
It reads **1:11**
